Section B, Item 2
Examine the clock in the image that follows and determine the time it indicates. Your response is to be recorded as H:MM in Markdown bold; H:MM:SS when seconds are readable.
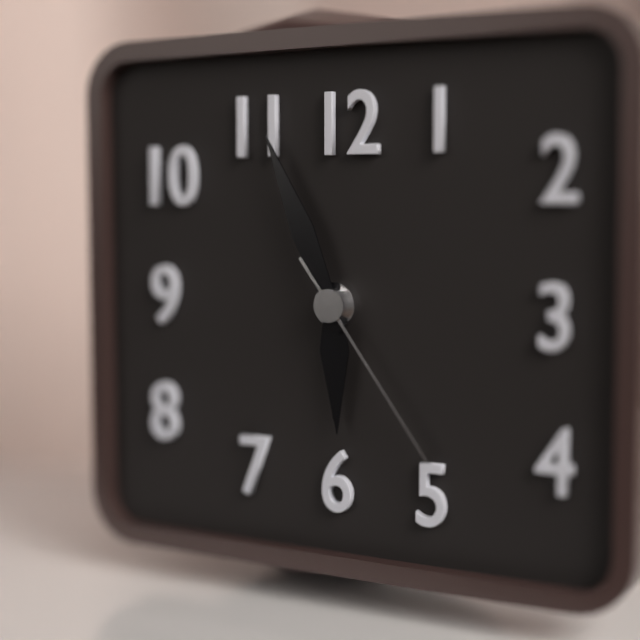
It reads **5:56:24**
